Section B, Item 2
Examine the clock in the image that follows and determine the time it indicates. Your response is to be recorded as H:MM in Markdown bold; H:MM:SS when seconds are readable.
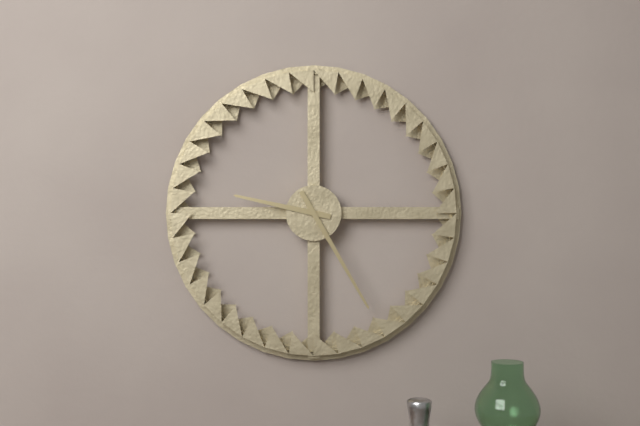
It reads **9:25**
